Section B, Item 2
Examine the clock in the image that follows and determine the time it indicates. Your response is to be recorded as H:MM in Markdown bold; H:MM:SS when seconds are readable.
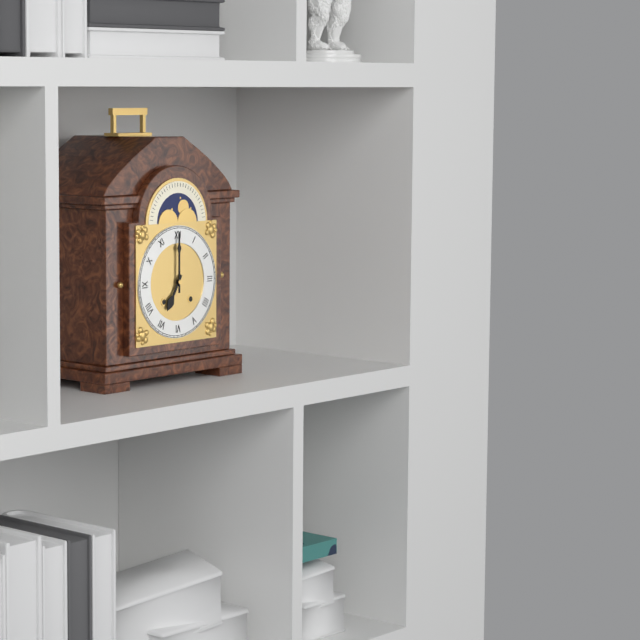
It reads **7:00**
